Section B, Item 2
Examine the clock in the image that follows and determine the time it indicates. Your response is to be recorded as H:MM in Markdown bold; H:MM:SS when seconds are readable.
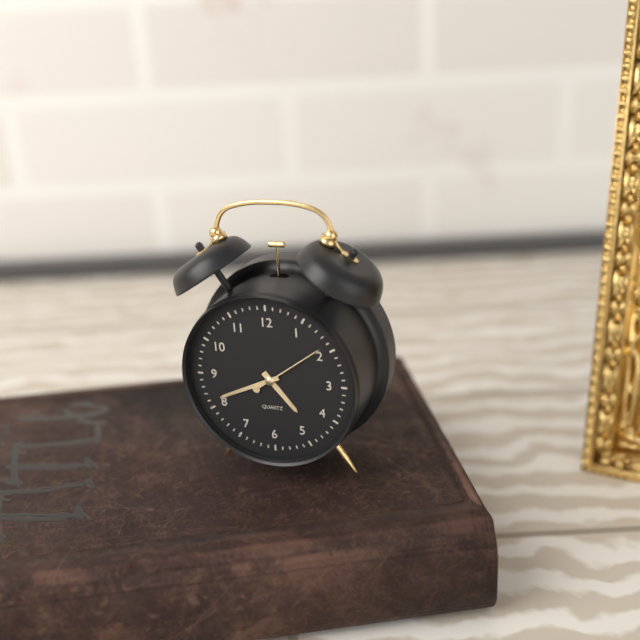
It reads **4:41:09**
